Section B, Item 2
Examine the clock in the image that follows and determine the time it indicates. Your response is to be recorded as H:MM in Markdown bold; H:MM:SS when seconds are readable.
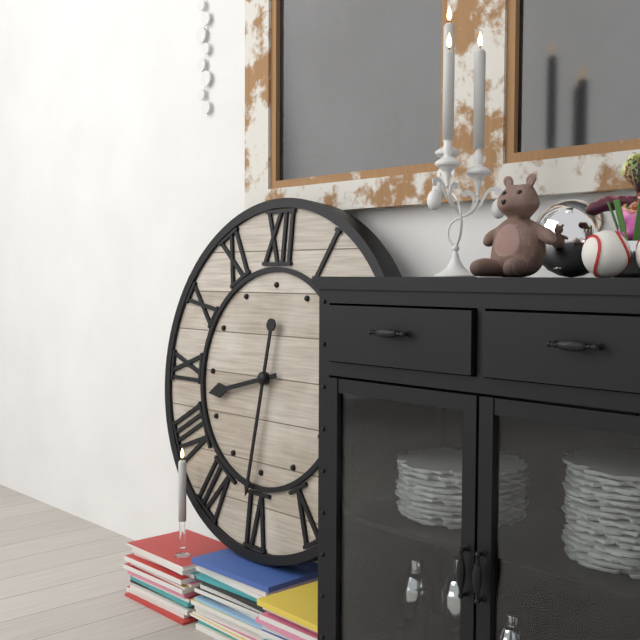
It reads **8:31**
